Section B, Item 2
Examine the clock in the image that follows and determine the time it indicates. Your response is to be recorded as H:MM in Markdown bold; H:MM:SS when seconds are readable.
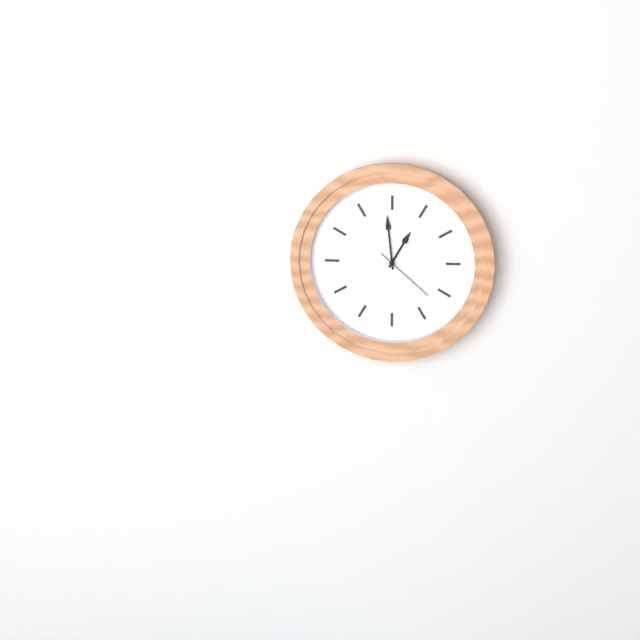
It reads **12:59:22**
